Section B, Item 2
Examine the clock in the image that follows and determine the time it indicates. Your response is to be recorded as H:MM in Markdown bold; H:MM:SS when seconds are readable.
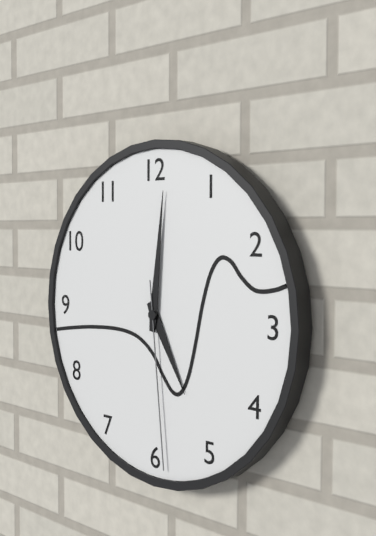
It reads **5:01:29**
